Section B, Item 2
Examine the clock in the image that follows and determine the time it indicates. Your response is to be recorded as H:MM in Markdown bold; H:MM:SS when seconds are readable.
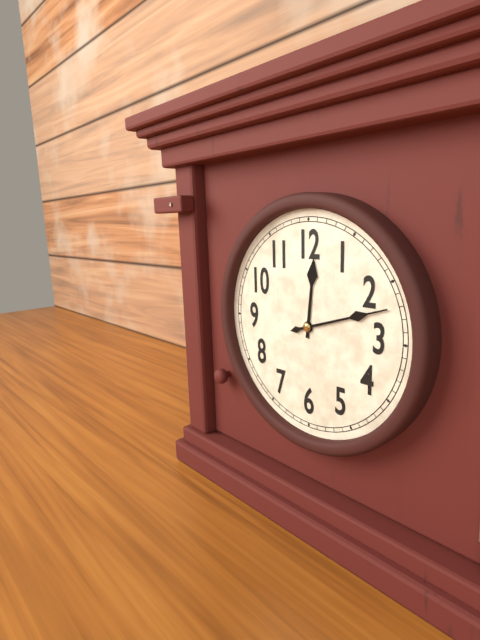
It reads **12:12**
